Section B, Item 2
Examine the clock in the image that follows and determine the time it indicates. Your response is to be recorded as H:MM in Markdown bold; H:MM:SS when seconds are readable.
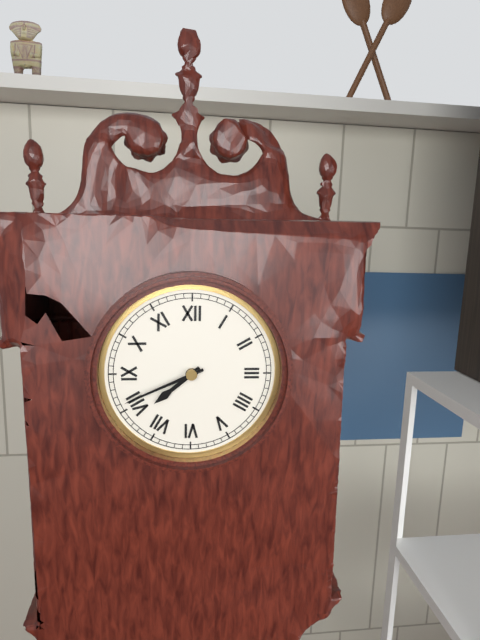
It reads **7:41**
